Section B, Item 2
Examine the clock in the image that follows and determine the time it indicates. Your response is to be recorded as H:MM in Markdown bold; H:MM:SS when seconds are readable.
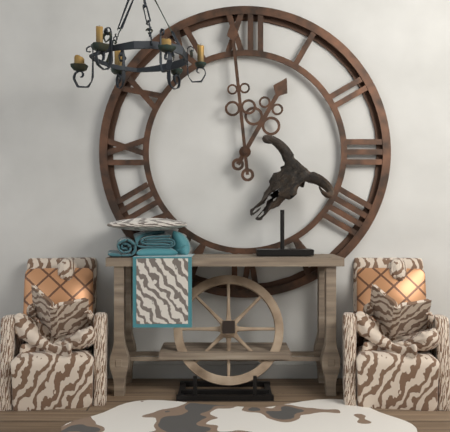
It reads **12:59**
